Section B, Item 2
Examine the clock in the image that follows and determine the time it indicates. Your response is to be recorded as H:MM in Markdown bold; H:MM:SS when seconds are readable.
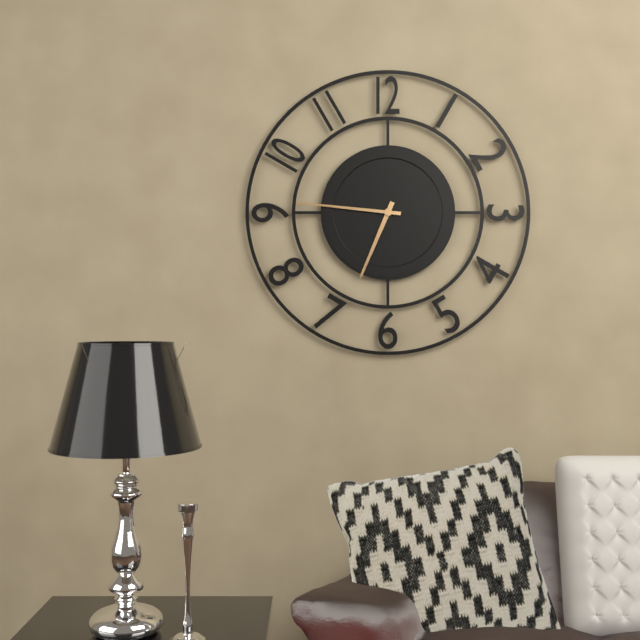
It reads **6:46**
